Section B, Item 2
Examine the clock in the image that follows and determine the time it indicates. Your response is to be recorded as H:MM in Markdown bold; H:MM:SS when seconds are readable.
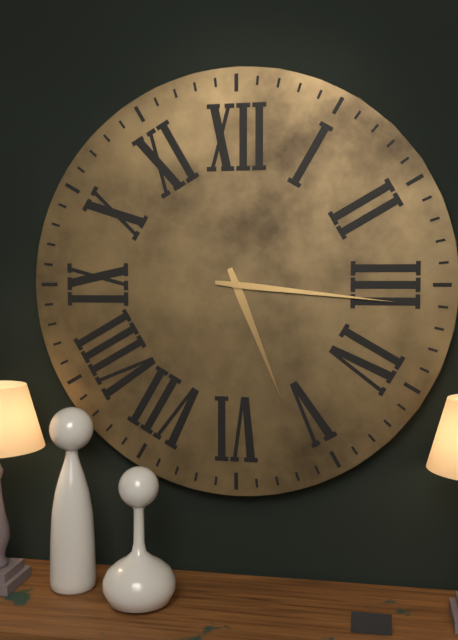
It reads **5:16**
